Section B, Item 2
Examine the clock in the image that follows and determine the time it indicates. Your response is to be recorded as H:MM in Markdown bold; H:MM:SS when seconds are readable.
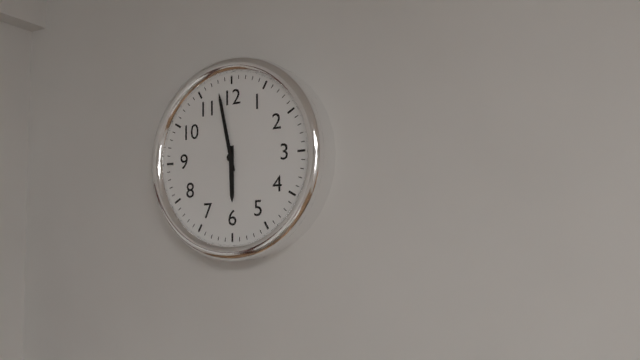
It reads **5:58**
